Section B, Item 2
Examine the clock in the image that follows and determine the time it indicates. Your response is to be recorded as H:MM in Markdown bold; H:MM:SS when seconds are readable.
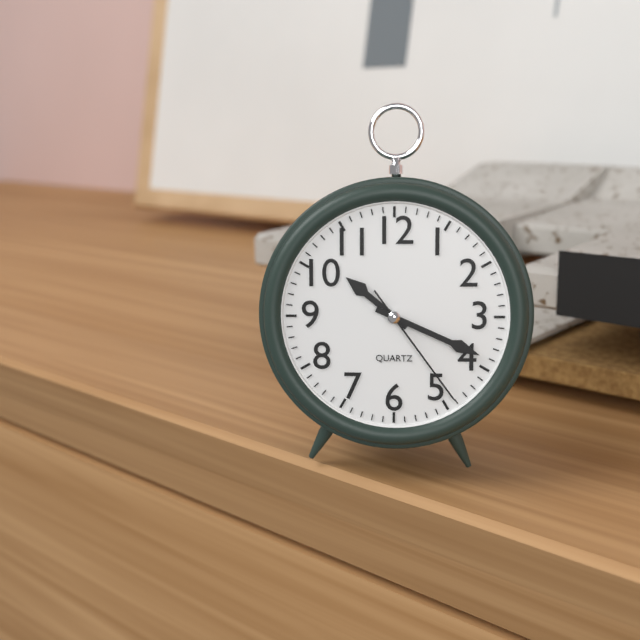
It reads **10:19:24**
